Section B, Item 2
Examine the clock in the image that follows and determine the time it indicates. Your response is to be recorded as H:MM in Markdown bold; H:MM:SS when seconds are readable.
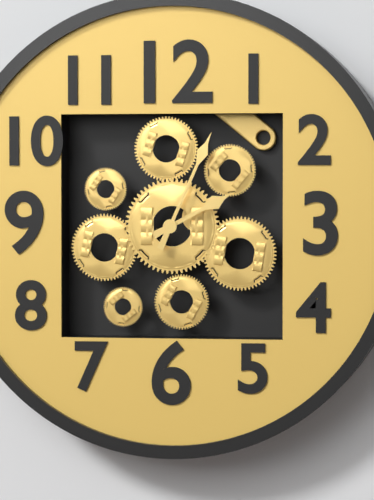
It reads **2:04**
